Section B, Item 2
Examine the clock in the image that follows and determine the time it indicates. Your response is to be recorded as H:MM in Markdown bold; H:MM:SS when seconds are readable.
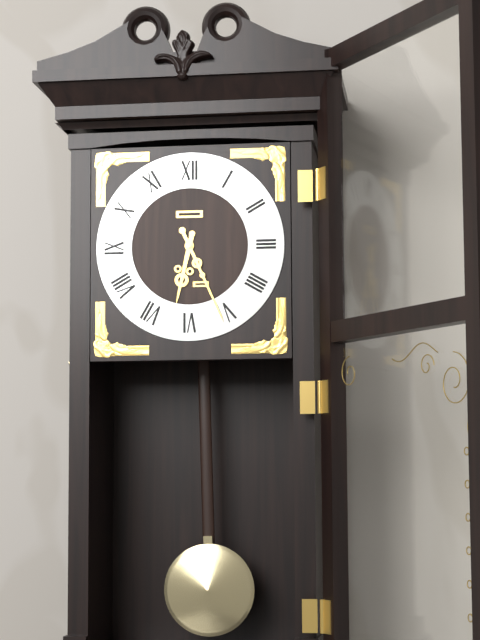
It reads **6:26**
